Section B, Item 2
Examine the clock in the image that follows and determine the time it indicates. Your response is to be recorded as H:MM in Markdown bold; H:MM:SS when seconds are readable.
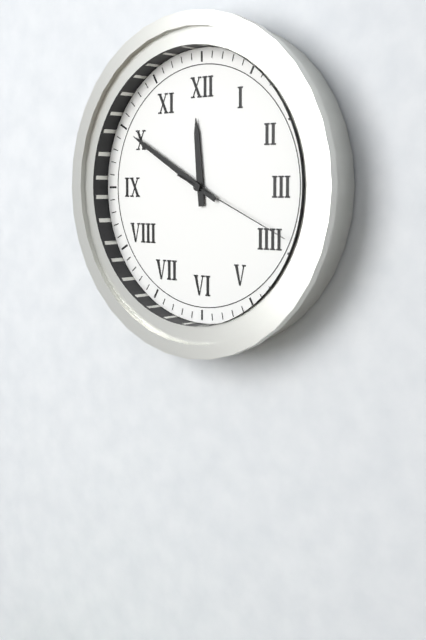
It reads **11:50:19**
